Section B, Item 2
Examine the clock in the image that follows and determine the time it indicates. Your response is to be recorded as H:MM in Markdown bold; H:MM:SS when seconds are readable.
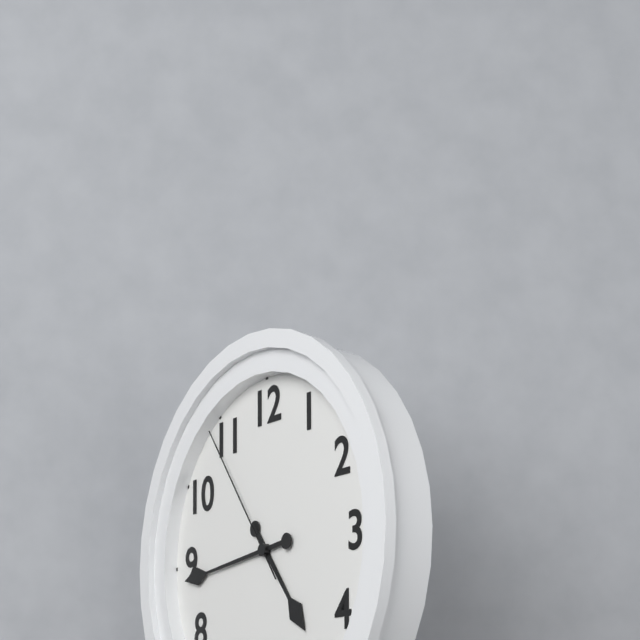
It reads **4:44:54**
